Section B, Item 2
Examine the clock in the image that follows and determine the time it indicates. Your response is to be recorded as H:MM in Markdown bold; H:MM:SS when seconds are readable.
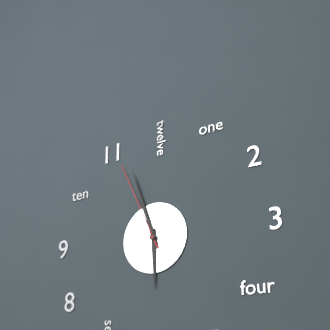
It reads **5:57:56**
